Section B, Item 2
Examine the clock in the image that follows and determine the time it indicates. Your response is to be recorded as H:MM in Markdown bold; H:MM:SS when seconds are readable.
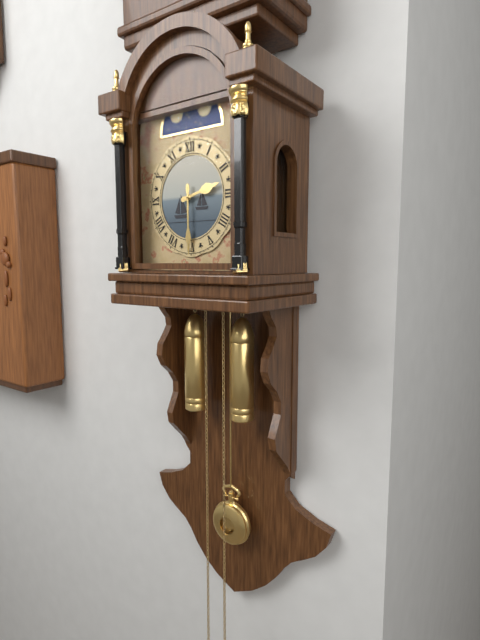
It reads **2:30**
